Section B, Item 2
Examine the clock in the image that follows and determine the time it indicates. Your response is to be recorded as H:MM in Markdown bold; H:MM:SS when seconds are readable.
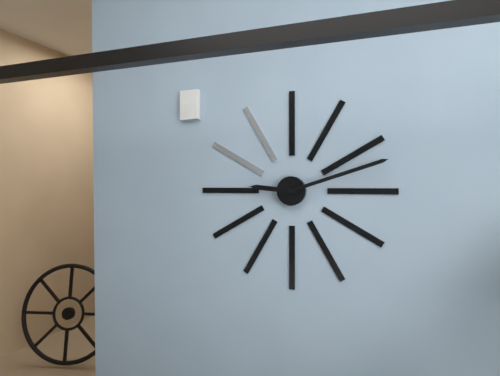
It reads **9:12**
